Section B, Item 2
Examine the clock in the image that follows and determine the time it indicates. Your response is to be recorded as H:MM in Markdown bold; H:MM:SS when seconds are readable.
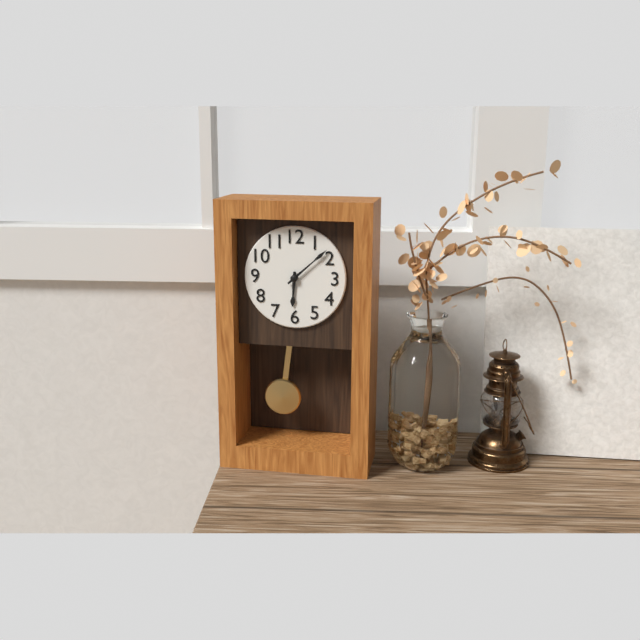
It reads **6:08**
